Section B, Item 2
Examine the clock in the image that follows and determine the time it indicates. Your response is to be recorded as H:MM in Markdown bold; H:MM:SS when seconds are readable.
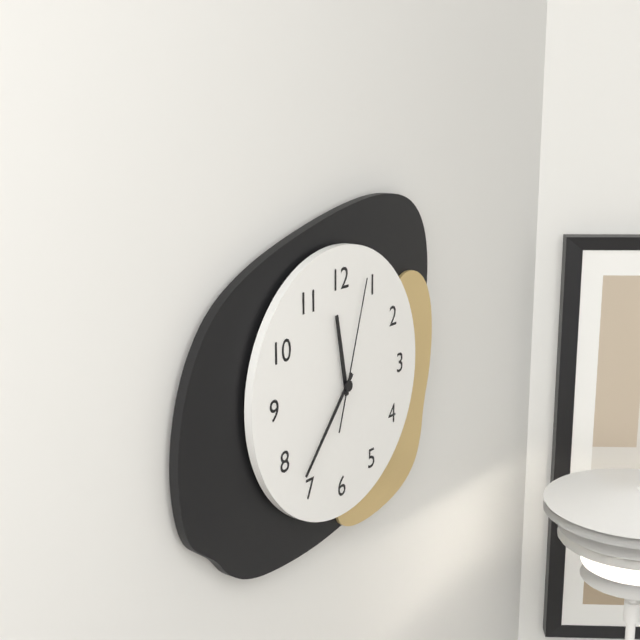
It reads **11:37:03**
